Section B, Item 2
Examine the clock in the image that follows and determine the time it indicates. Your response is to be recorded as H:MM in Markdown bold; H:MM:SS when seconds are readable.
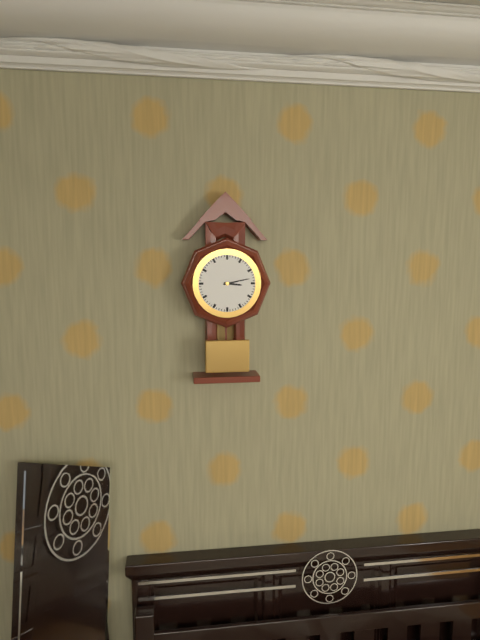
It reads **3:13**
